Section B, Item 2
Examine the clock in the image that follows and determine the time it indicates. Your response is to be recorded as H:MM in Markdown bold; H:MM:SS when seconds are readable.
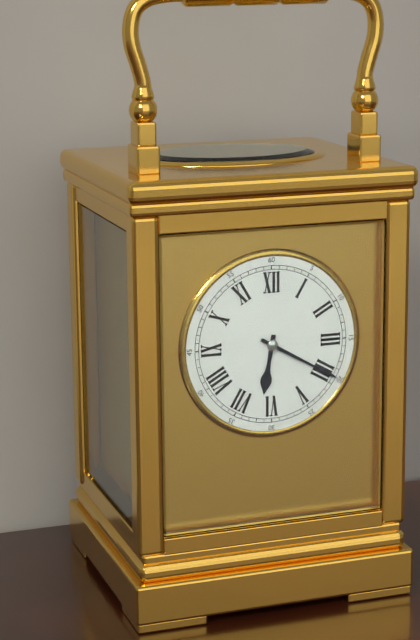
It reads **6:20**
